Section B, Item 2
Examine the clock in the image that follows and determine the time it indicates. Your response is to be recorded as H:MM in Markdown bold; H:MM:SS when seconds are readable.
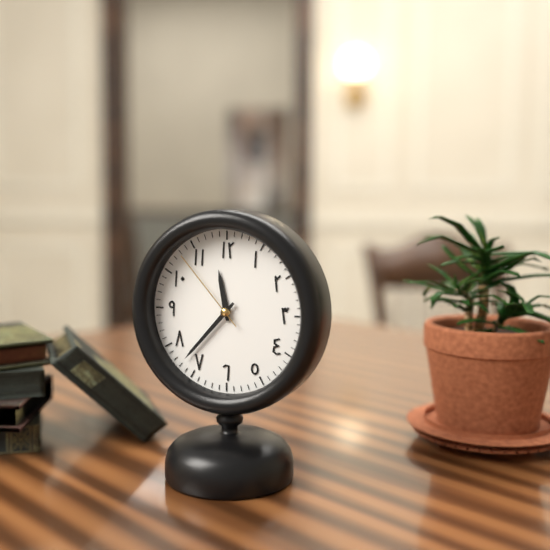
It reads **11:37:53**
